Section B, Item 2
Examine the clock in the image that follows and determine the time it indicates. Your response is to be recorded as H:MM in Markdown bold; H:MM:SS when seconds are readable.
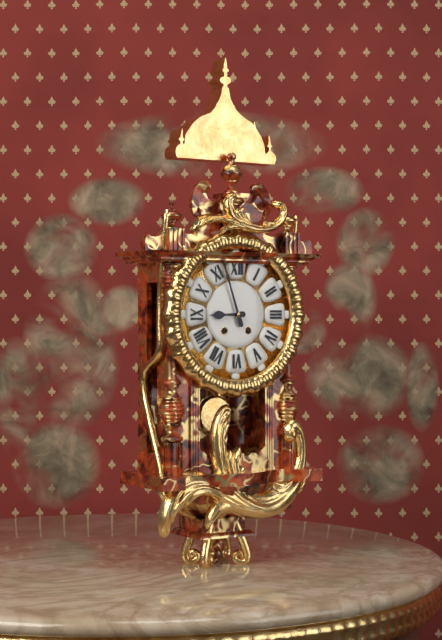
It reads **8:57**
